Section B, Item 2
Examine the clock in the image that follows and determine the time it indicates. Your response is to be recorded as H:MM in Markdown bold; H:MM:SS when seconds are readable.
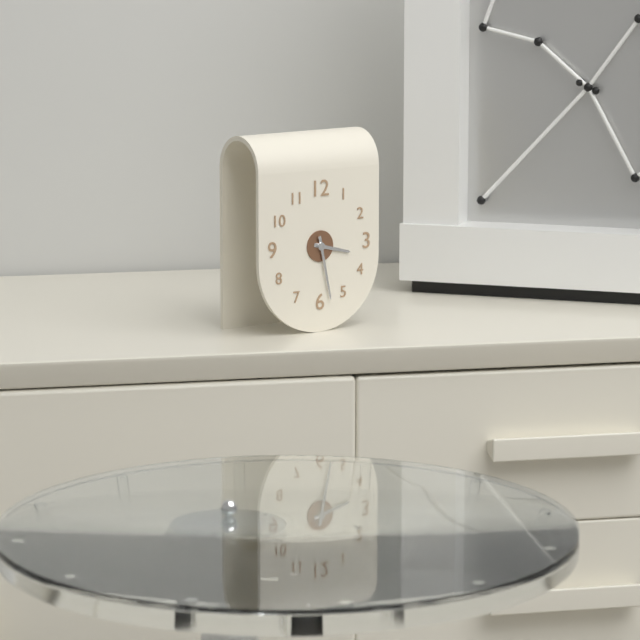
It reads **3:28**
